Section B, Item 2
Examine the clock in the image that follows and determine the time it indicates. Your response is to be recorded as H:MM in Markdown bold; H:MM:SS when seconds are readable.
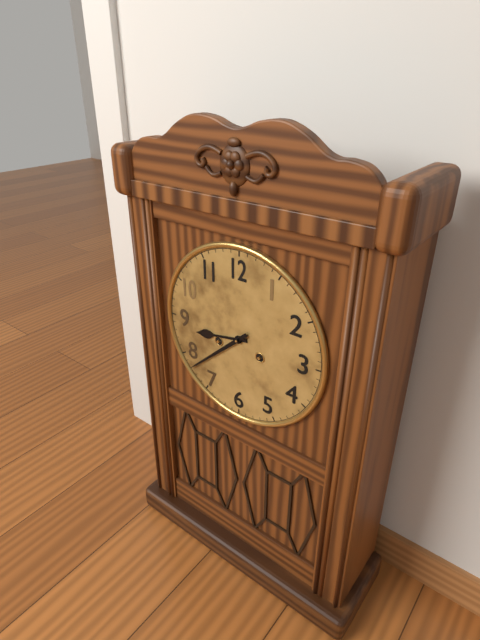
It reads **8:38**
